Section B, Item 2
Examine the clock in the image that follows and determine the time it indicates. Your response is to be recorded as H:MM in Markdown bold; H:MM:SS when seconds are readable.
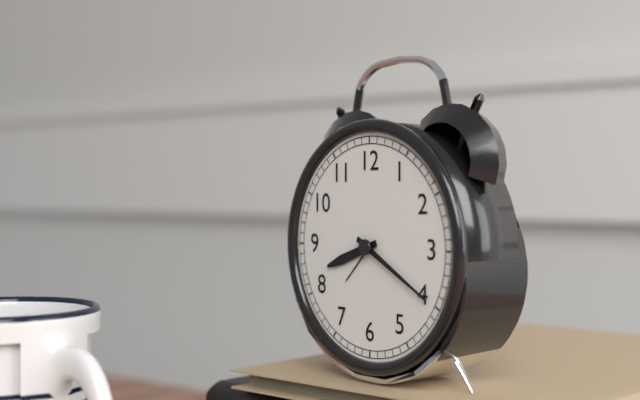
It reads **8:20**
